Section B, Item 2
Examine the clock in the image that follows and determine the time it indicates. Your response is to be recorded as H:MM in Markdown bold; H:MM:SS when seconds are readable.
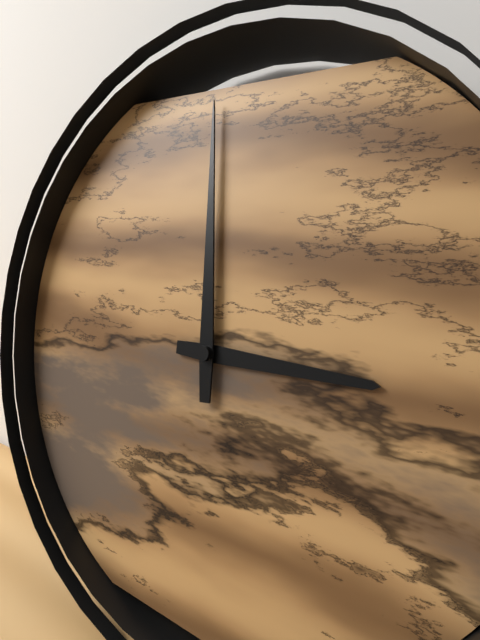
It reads **2:59**
